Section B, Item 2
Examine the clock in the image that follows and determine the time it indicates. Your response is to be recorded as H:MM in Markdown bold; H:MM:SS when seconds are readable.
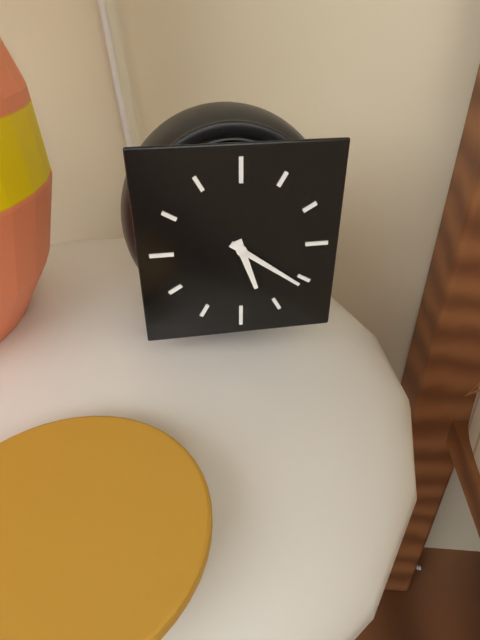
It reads **5:21**
